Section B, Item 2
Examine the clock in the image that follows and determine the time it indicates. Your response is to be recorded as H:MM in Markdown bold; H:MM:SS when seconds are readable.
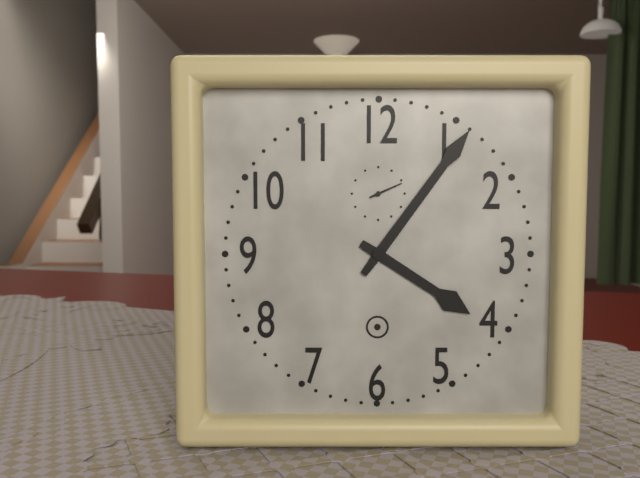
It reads **4:06**
